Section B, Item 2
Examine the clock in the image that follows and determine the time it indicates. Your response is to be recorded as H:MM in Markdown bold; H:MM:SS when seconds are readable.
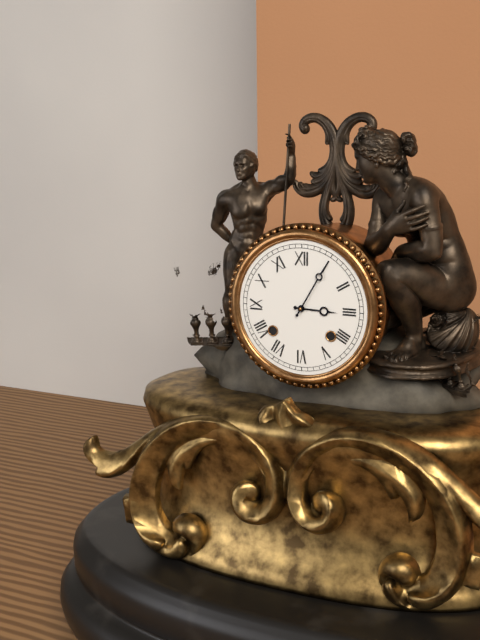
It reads **3:05**
